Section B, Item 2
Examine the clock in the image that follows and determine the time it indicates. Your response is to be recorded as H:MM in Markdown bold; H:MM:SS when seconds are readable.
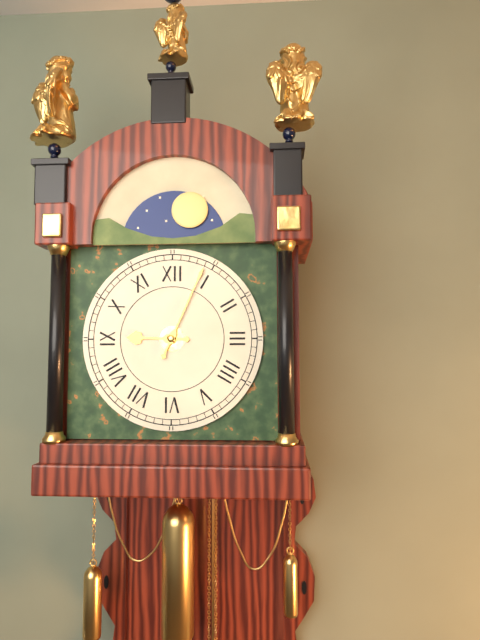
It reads **9:04**
